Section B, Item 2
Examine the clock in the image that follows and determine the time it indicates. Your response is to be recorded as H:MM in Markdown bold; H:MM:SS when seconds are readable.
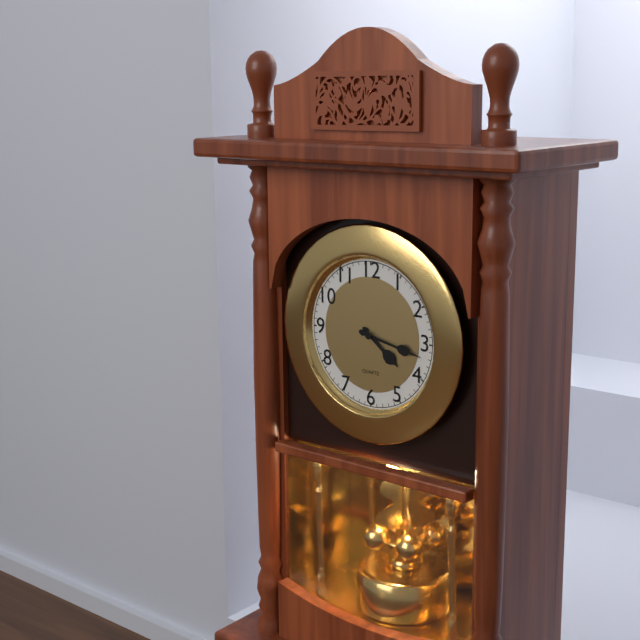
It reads **4:17**
